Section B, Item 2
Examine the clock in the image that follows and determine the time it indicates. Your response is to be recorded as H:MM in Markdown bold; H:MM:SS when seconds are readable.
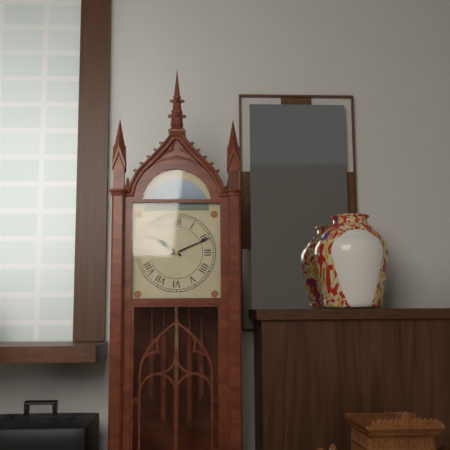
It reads **10:11**
